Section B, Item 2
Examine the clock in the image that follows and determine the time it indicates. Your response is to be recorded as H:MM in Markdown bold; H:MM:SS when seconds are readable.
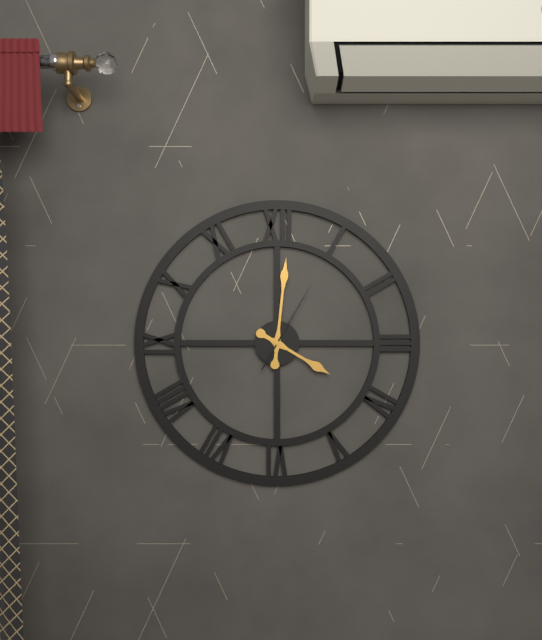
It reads **4:01:05**
